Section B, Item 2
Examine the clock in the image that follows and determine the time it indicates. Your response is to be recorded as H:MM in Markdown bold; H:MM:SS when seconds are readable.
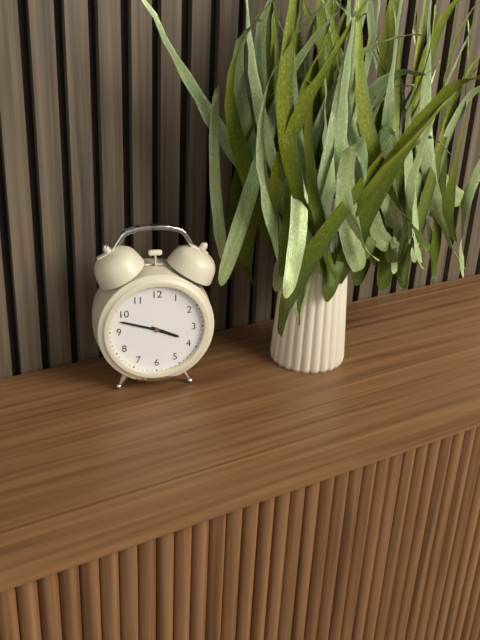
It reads **3:48**
